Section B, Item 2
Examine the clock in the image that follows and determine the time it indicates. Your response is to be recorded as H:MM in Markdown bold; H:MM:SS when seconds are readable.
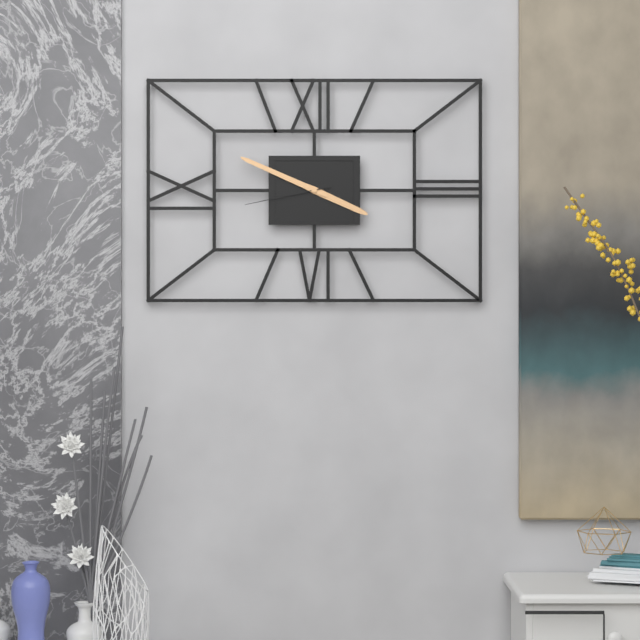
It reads **3:49:43**
